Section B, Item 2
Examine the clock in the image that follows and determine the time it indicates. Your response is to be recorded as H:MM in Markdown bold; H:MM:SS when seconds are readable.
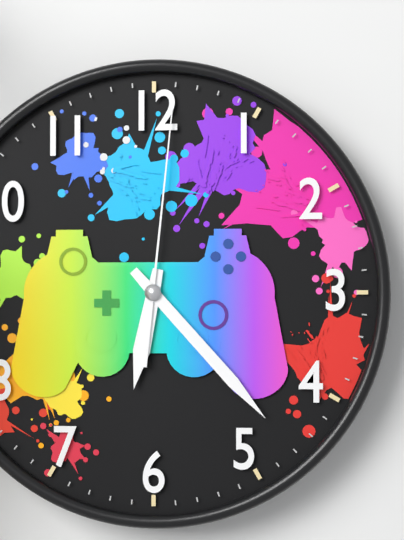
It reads **6:23:01**
